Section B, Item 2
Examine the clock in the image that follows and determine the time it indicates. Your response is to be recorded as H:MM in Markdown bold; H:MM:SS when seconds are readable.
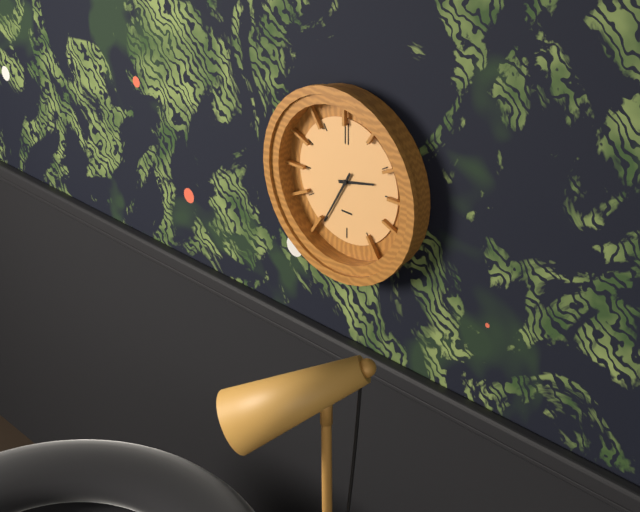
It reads **2:35**
